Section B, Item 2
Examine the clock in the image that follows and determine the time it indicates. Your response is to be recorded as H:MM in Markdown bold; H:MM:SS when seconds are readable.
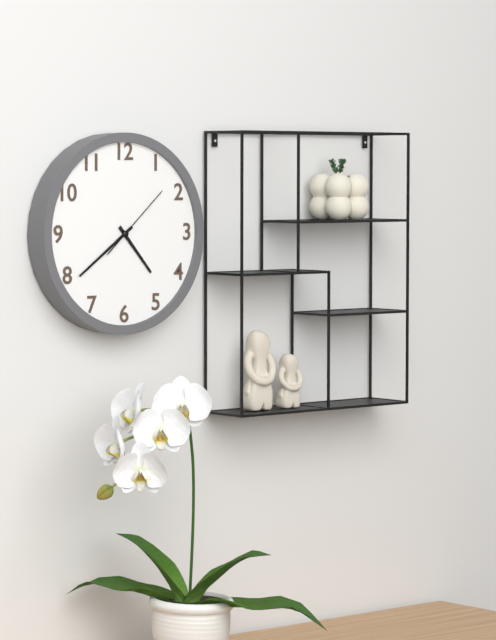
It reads **4:39:08**
